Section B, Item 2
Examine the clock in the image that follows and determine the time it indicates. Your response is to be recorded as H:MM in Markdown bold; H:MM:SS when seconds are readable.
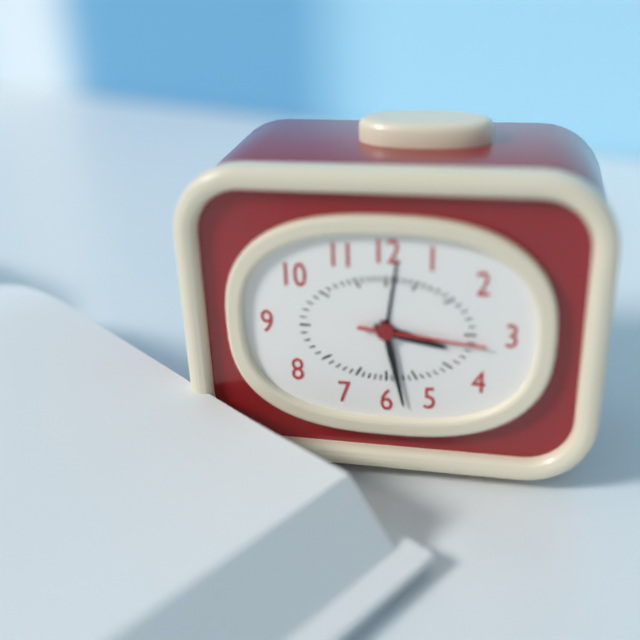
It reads **3:28:16**
